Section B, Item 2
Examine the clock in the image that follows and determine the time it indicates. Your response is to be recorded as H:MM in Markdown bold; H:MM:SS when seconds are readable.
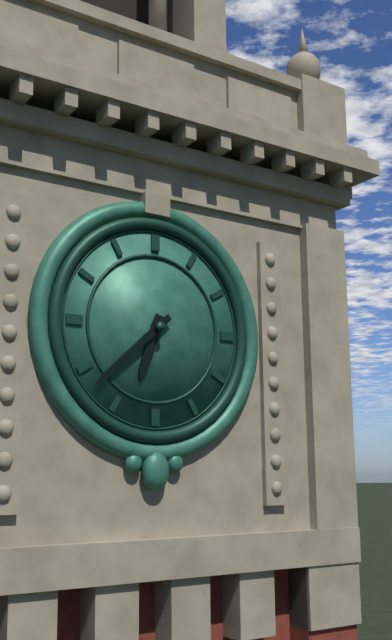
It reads **6:38**
